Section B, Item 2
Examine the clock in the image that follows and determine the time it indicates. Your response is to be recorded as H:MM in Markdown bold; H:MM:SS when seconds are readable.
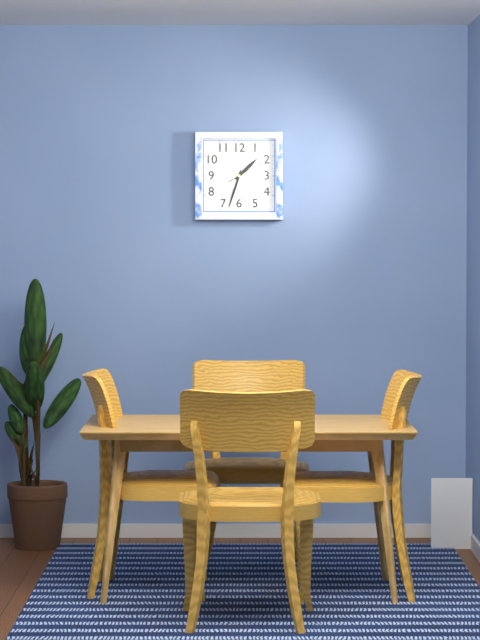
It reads **1:33**
